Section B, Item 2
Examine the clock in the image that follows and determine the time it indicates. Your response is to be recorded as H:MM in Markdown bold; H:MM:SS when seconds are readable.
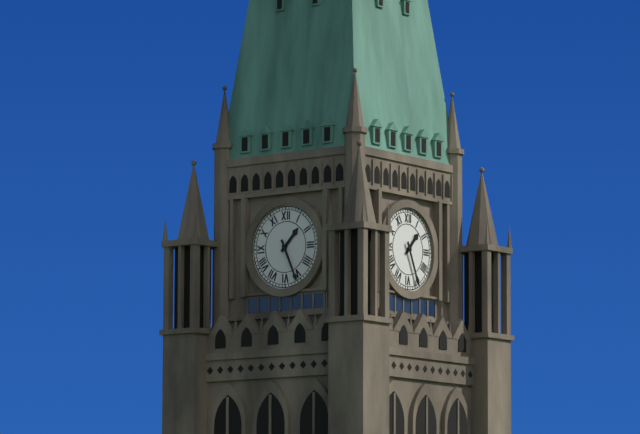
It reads **1:26**
